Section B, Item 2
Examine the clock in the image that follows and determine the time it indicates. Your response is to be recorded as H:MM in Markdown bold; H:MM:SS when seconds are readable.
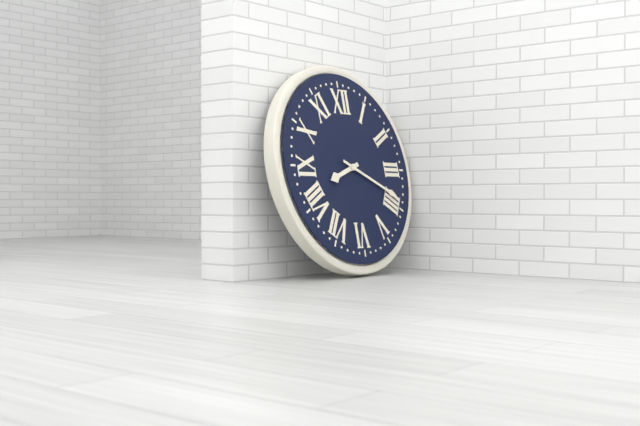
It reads **8:19**
